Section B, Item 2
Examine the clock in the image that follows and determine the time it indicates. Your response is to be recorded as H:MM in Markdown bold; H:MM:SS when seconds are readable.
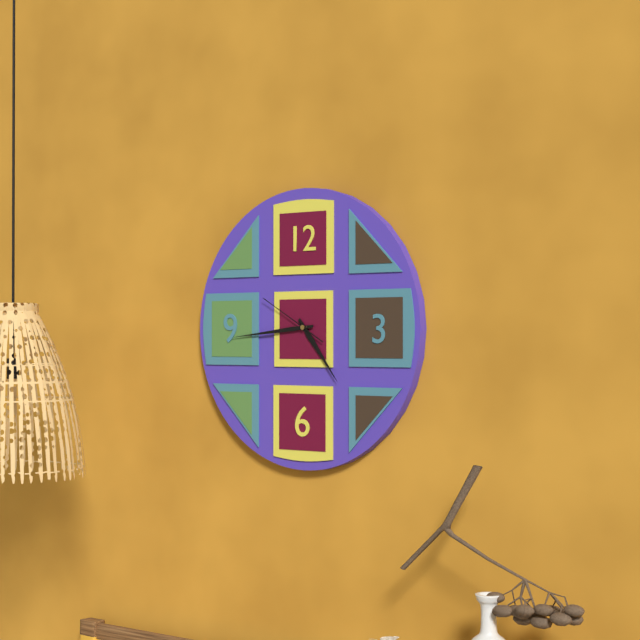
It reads **4:44:50**
